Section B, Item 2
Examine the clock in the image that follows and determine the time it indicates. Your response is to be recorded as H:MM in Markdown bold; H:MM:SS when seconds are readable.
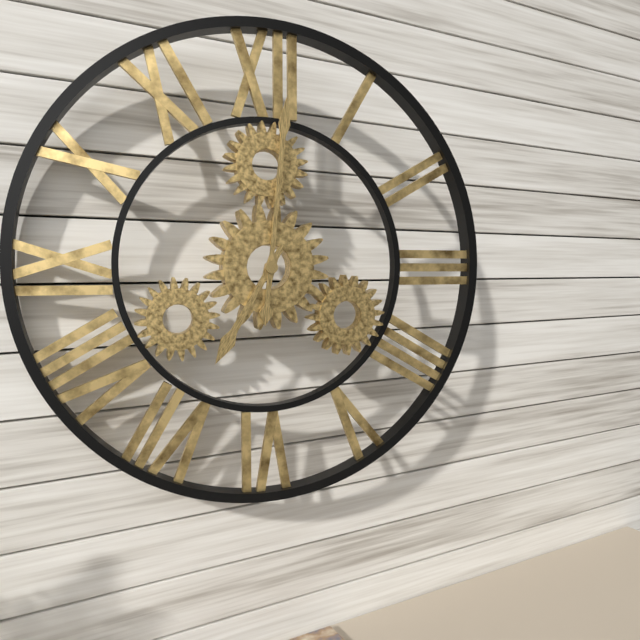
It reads **7:01**
